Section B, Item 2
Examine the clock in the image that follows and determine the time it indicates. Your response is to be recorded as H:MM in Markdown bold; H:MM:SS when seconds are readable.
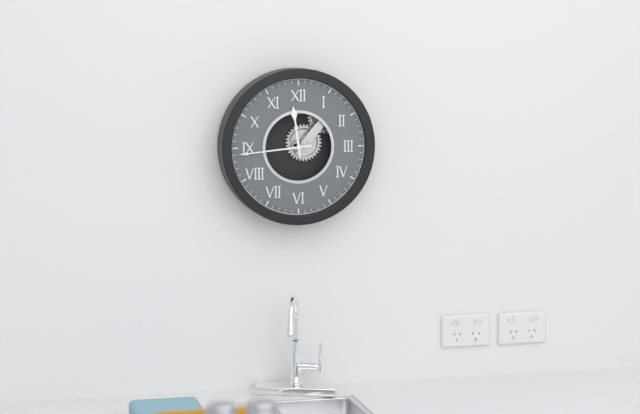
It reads **11:44**
